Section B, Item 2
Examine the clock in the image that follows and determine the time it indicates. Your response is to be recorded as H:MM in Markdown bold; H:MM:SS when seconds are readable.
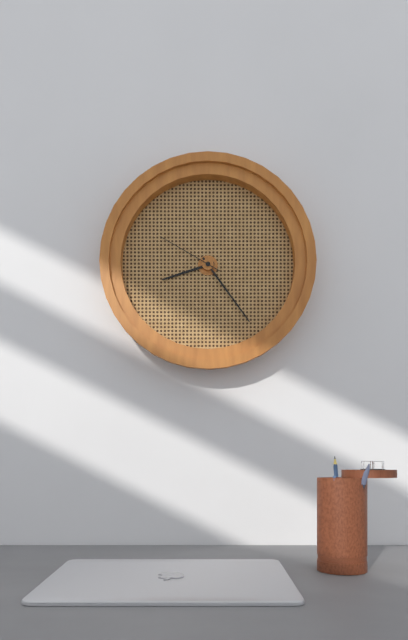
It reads **8:24:50**
